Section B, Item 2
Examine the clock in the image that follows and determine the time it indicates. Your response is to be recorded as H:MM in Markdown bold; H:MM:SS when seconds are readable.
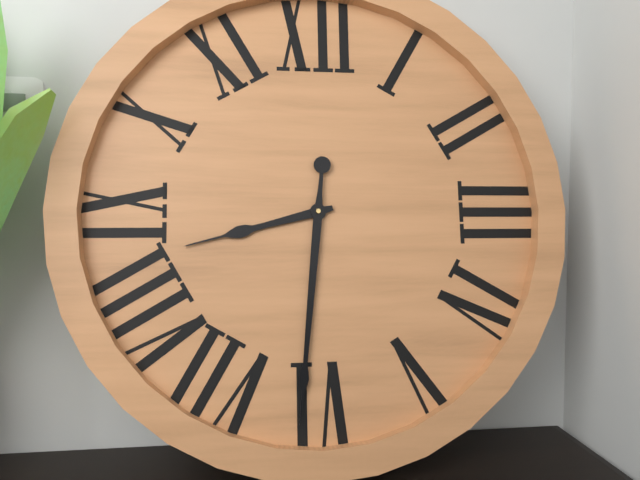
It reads **8:31**
